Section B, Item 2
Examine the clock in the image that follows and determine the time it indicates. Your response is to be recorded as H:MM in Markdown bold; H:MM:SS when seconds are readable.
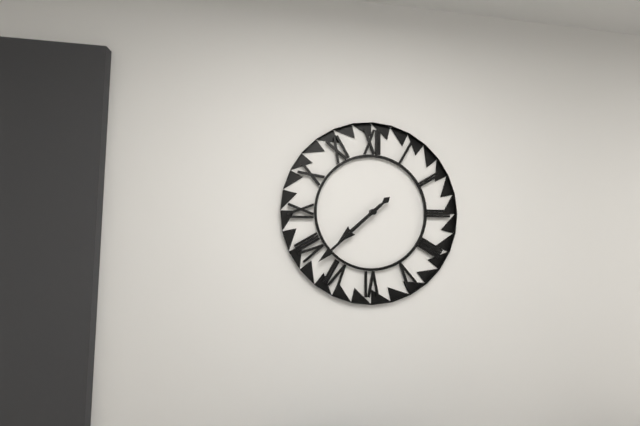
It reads **7:38**
